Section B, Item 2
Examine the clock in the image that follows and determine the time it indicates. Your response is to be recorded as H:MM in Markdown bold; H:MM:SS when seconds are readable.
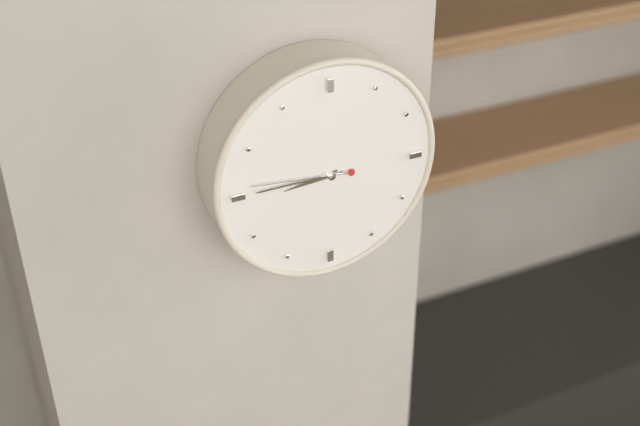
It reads **8:45:46**
